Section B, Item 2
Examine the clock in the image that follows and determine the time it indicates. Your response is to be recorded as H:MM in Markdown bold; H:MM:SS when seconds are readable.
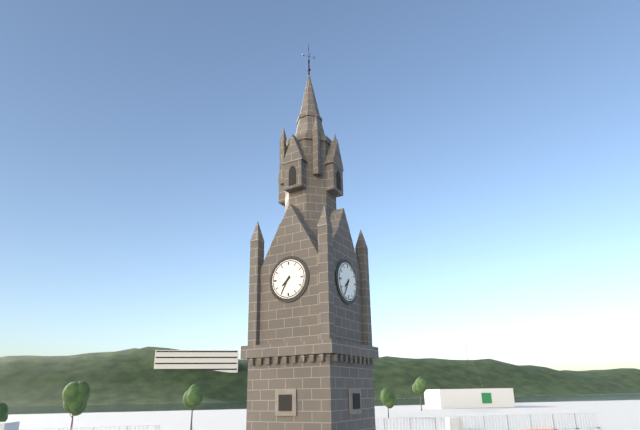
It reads **7:35**
